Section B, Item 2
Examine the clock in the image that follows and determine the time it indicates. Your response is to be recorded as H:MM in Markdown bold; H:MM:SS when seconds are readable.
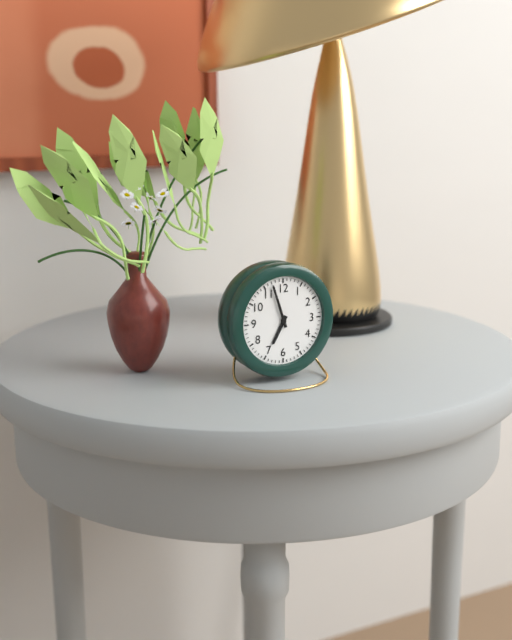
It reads **6:57**
